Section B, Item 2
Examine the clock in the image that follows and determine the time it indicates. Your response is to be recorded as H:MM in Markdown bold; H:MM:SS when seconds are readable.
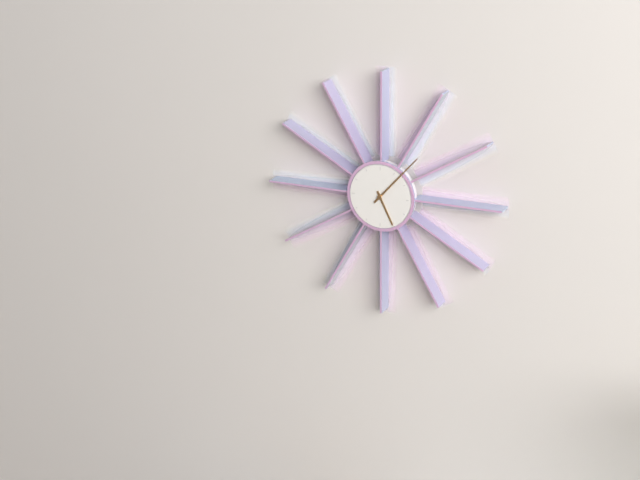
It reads **5:07**
